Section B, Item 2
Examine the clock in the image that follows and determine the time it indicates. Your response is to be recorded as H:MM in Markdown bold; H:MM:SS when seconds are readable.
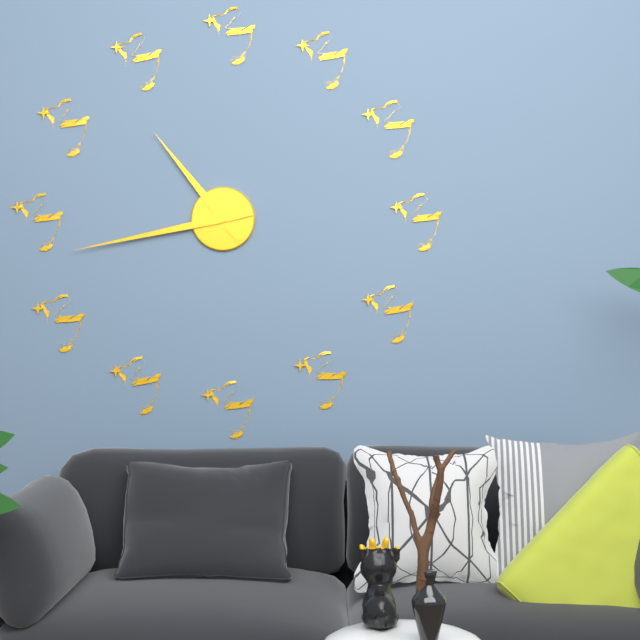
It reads **10:43**
